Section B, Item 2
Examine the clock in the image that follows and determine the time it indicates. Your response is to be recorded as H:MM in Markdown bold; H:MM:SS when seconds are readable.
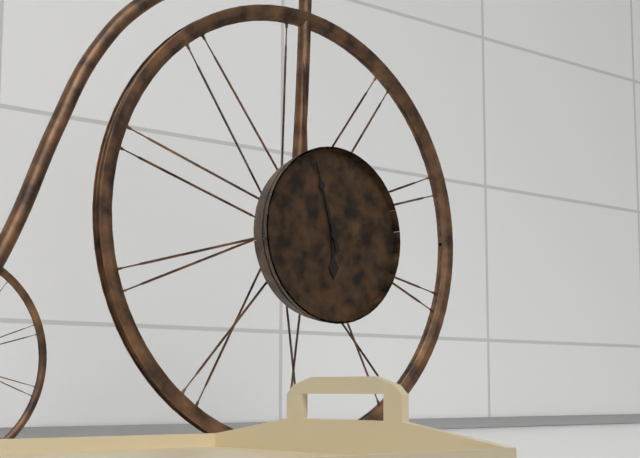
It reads **5:57**
